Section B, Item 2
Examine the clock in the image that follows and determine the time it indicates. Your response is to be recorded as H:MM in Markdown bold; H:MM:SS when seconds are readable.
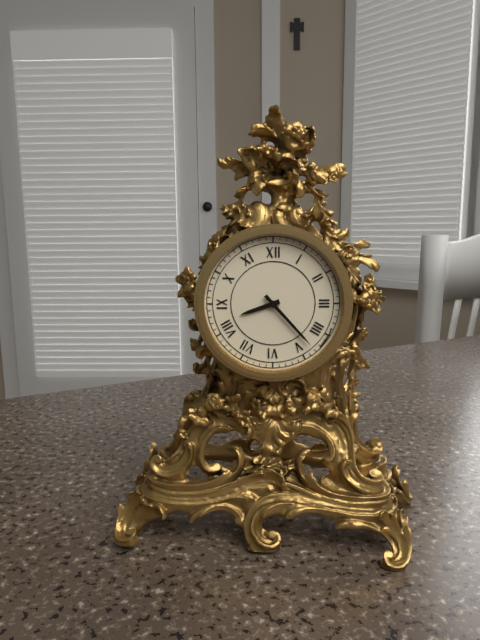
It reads **8:23**
